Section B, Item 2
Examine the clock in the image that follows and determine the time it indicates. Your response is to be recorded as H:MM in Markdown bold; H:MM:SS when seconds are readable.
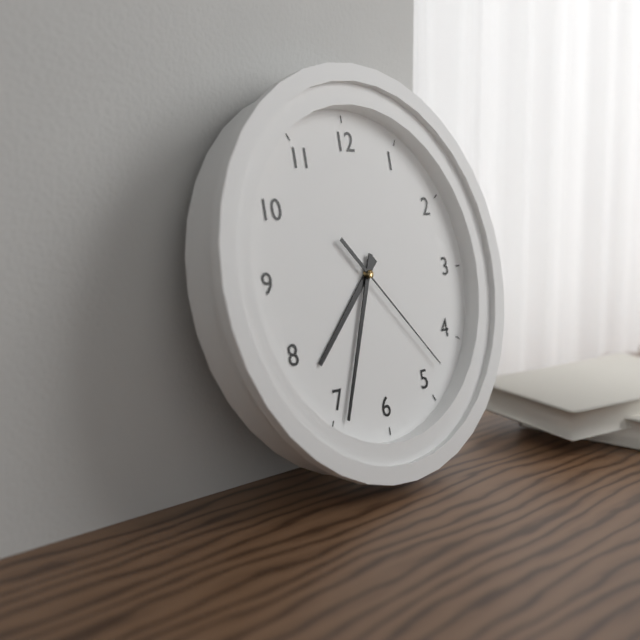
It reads **7:34:23**
